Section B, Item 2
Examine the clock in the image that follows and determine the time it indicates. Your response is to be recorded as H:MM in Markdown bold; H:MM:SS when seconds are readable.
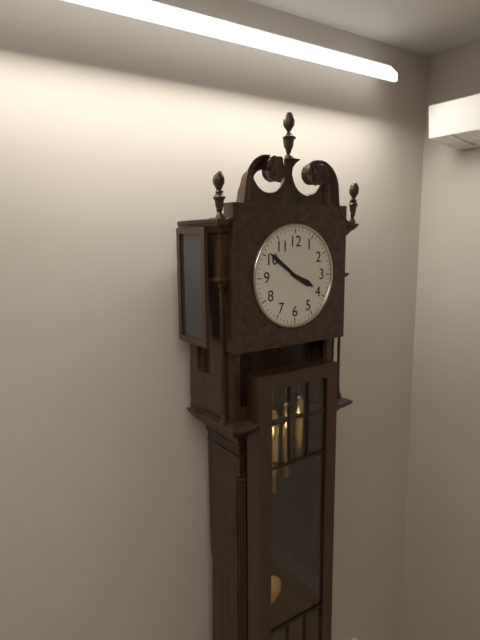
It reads **3:51**
